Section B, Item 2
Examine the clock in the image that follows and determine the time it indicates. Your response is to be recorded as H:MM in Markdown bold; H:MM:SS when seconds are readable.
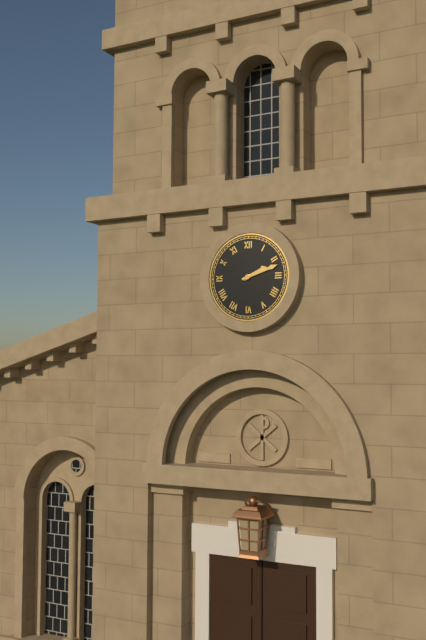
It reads **2:12**
